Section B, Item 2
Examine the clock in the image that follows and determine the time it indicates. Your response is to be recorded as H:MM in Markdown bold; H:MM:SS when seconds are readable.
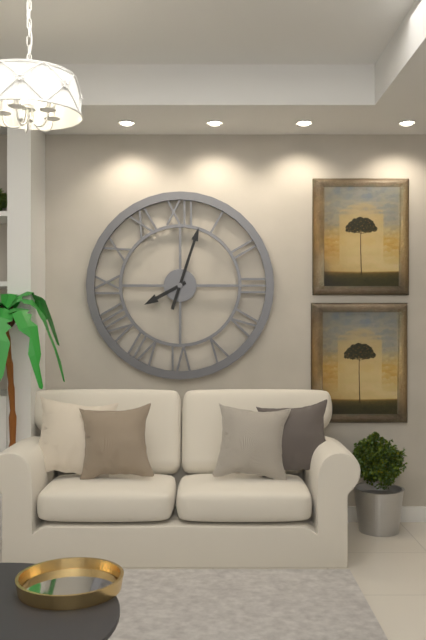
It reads **8:03**
